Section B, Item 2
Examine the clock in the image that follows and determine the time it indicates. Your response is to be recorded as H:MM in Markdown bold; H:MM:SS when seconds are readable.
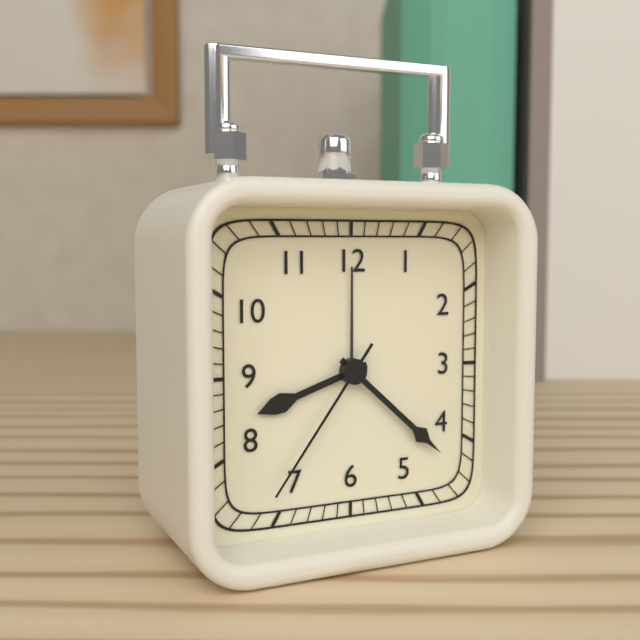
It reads **8:22:36**
